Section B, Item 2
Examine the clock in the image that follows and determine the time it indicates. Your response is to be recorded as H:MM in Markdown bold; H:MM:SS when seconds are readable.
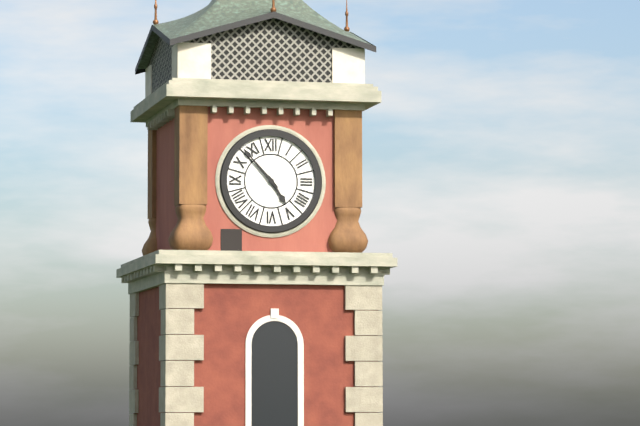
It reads **4:53**
